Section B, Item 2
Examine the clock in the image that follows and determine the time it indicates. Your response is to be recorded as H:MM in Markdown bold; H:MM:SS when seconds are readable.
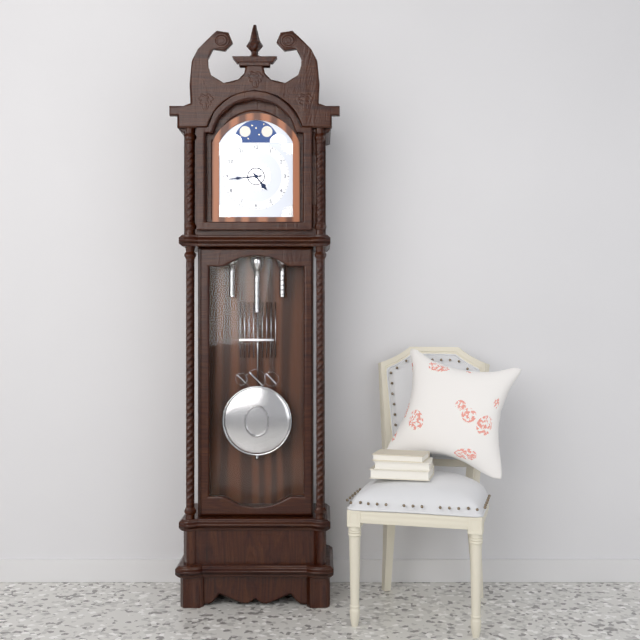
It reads **4:44**
